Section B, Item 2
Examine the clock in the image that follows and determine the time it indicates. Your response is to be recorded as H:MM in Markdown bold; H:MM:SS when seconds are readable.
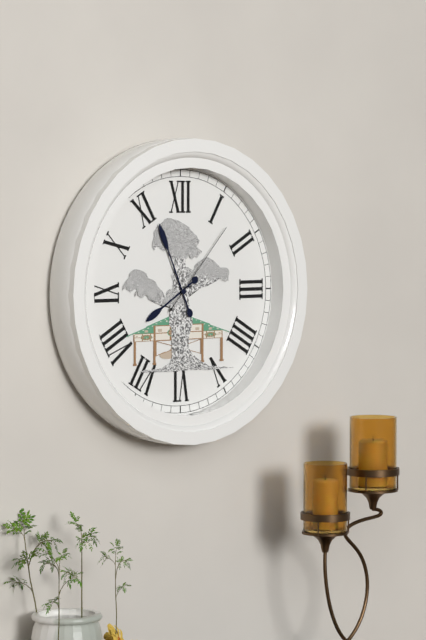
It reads **7:56:07**
